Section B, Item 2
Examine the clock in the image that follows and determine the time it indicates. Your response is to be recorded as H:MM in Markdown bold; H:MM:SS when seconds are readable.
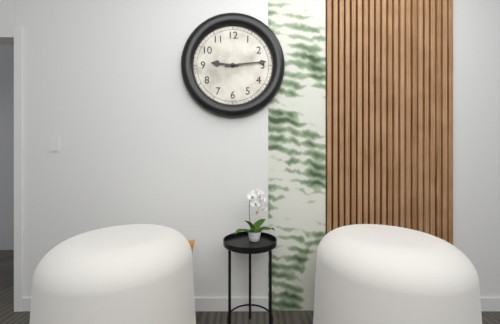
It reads **9:14**
